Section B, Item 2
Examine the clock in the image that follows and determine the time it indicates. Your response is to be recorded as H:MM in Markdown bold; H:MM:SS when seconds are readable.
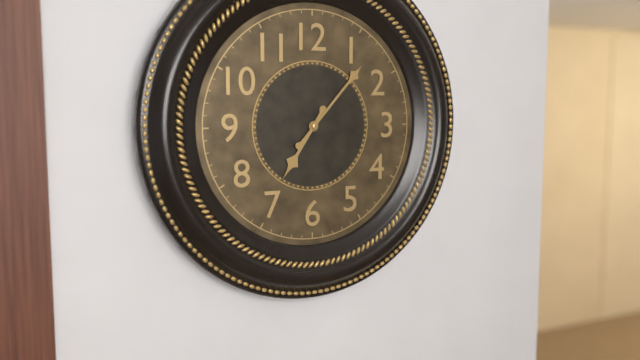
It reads **7:07**
